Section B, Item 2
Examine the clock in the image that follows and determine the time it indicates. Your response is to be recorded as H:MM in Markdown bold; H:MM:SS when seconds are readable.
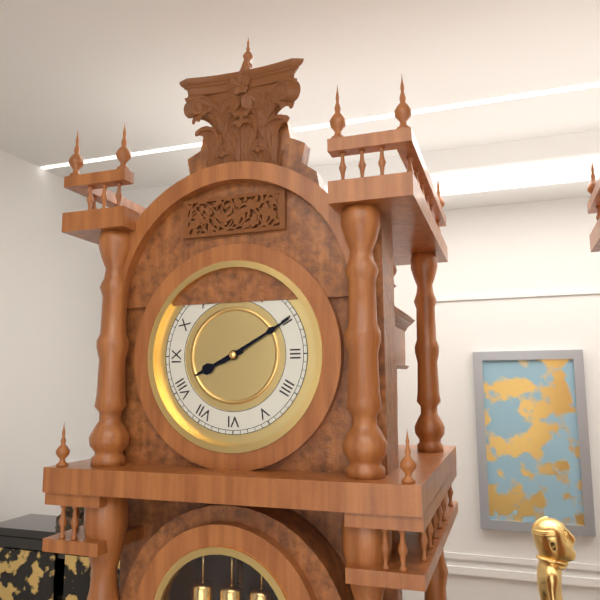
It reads **8:10**
